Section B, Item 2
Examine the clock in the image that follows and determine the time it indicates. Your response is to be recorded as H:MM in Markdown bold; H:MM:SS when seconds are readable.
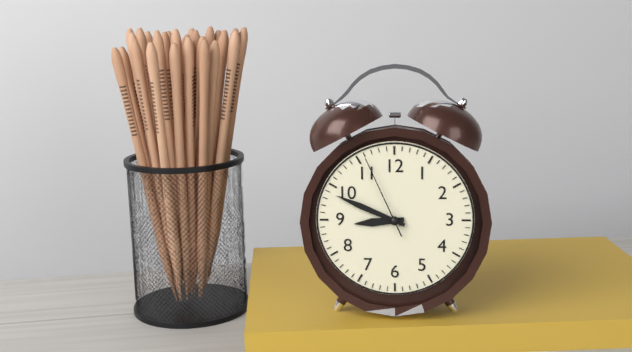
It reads **8:49:56**
